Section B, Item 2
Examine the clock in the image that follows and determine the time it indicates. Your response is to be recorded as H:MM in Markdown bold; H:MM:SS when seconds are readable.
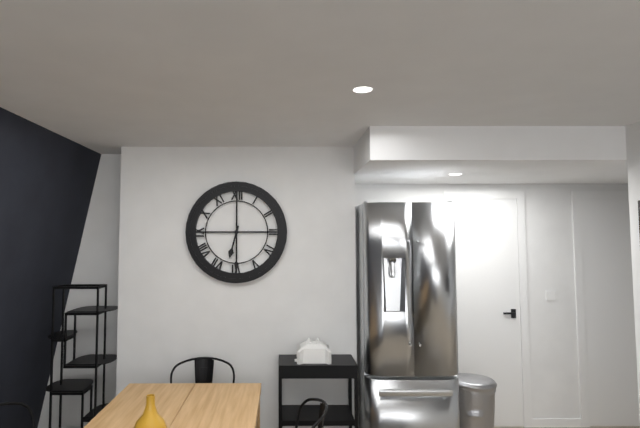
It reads **6:30**
